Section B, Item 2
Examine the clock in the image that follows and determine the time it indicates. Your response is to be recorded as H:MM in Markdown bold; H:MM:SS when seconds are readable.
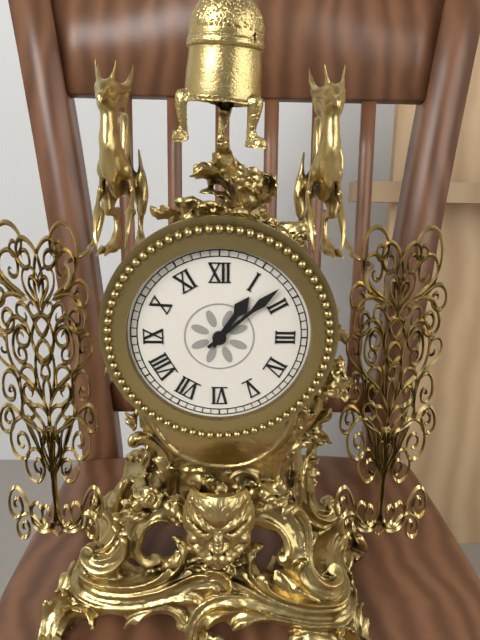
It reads **1:08**
